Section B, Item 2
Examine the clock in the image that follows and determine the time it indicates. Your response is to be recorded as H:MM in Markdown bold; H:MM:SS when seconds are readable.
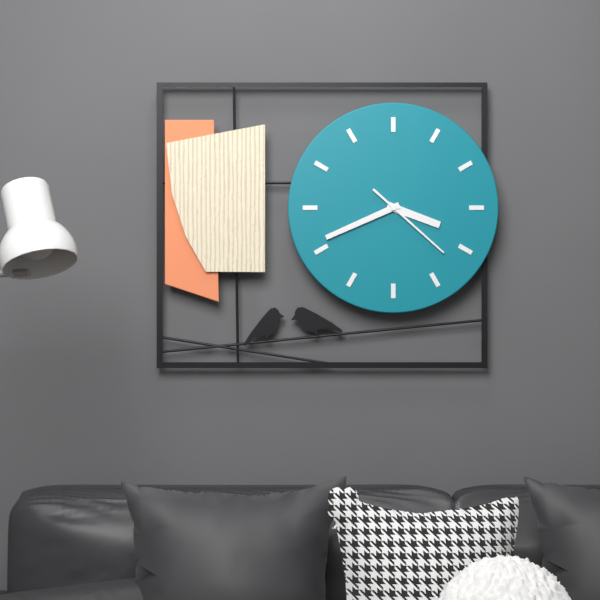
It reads **3:41:22**
